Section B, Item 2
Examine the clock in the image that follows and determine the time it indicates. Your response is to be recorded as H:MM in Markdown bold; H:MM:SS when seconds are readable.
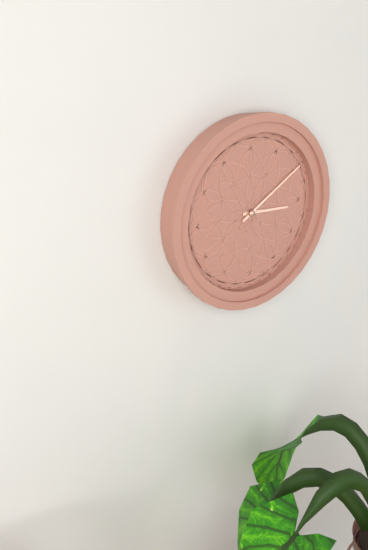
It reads **3:10**
